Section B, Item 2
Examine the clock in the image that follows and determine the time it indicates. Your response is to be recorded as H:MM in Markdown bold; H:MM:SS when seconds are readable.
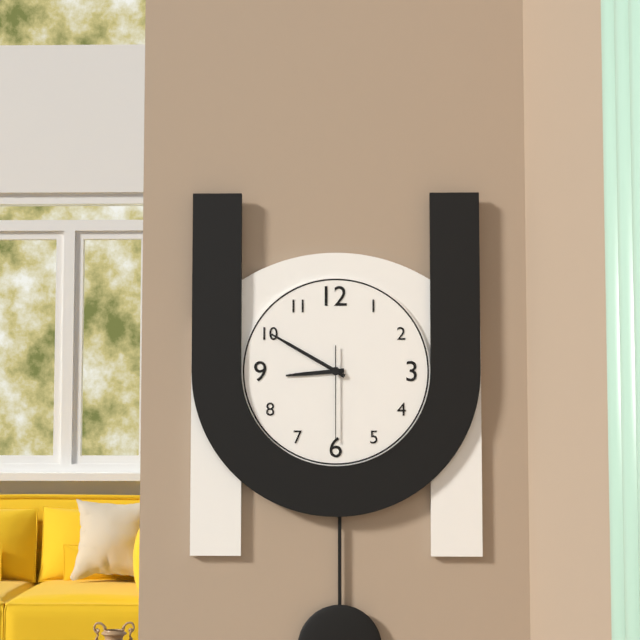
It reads **8:50:30**
